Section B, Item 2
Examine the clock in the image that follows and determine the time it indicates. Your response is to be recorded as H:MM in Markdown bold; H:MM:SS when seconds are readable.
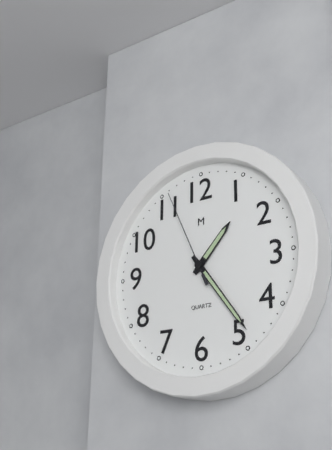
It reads **1:24:56**
